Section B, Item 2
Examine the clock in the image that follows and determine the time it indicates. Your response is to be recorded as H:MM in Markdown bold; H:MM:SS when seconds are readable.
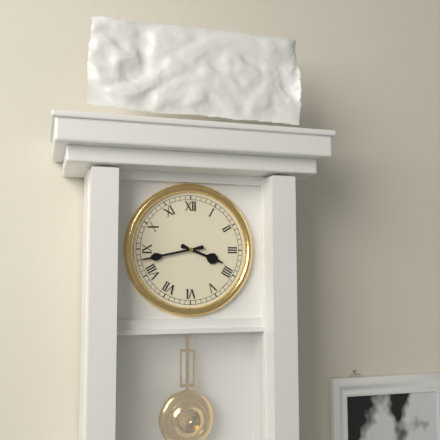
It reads **3:43**
